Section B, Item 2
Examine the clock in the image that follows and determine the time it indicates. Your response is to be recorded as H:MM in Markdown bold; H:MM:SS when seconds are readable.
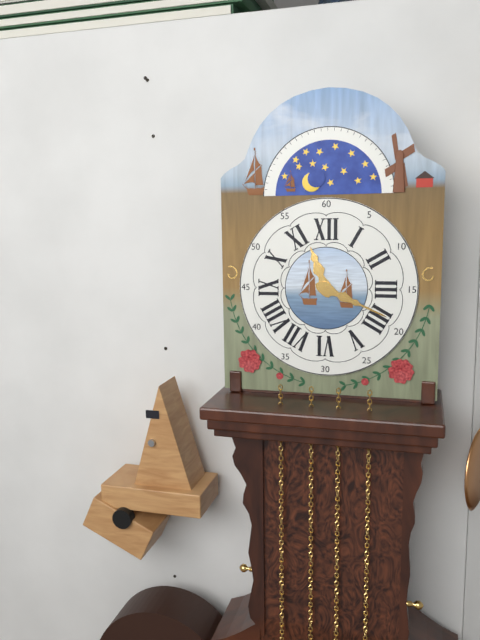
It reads **11:19**
